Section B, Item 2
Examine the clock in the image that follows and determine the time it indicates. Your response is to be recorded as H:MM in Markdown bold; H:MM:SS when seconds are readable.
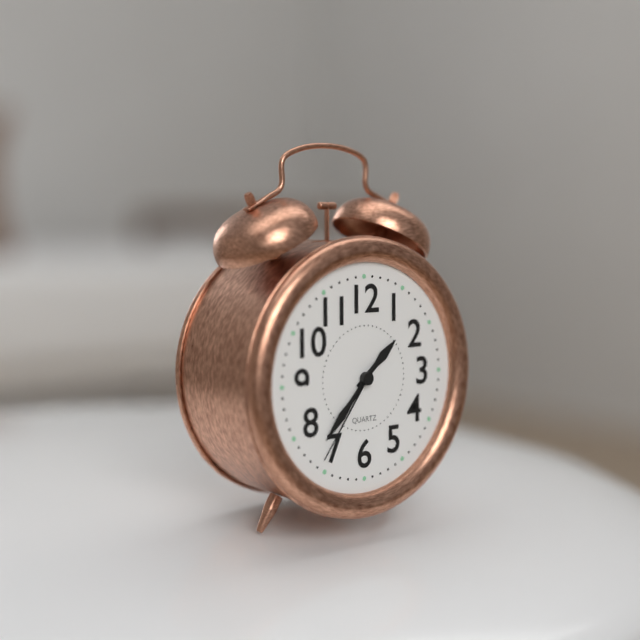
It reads **1:37:36**
